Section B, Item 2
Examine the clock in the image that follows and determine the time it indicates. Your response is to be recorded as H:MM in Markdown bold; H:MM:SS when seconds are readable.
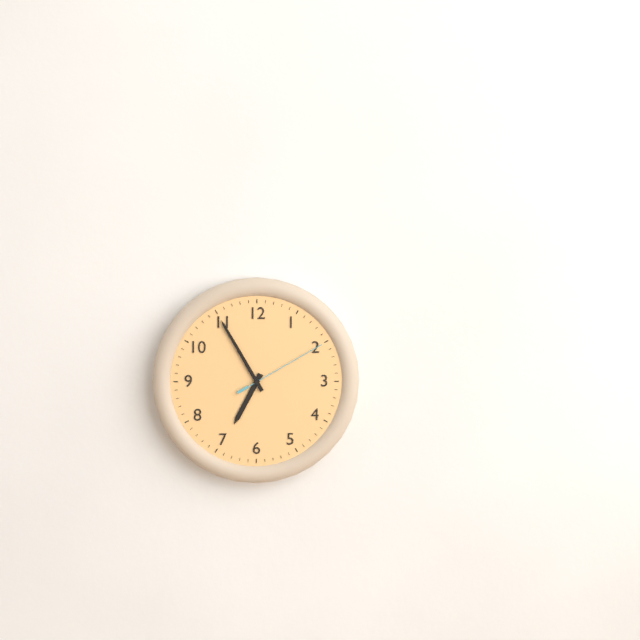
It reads **6:55:10**
